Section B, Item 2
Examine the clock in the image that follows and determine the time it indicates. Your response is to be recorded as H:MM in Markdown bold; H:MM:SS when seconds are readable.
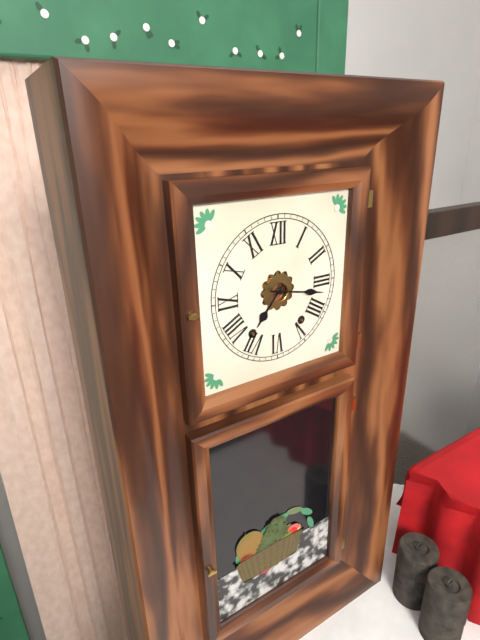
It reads **7:17**
